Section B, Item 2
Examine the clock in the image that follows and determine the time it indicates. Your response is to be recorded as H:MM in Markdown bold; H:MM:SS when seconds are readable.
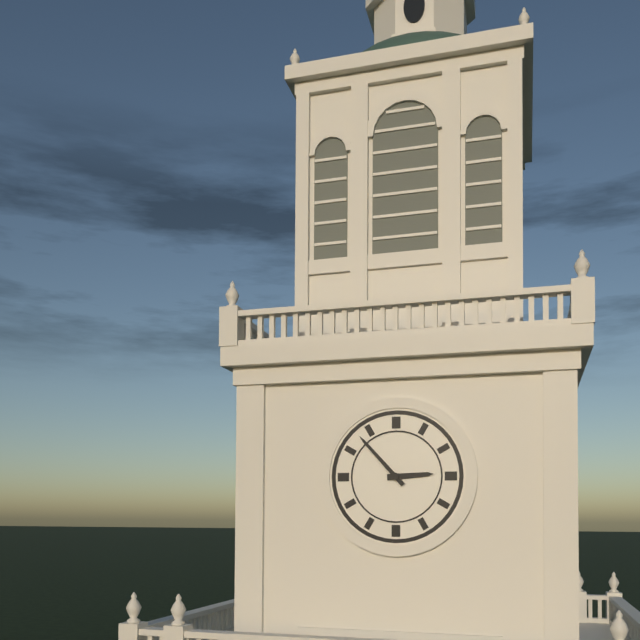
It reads **2:53**
